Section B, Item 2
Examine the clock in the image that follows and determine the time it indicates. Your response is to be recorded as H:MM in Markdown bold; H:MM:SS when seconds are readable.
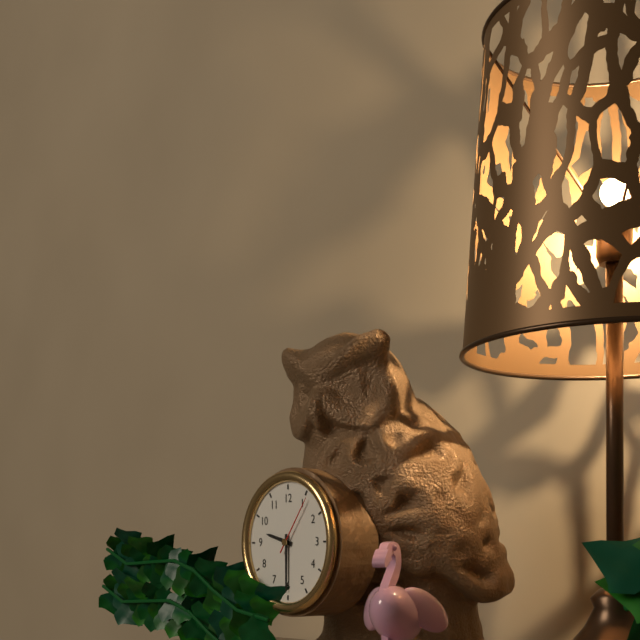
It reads **9:30:06**
